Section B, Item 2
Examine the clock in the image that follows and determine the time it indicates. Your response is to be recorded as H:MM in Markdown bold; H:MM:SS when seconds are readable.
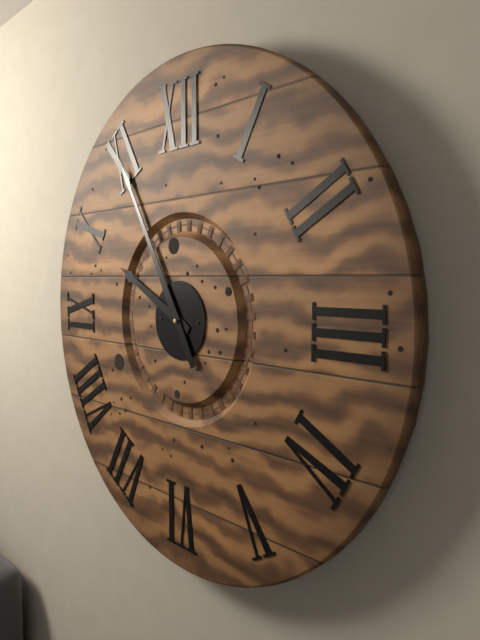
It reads **9:55**
